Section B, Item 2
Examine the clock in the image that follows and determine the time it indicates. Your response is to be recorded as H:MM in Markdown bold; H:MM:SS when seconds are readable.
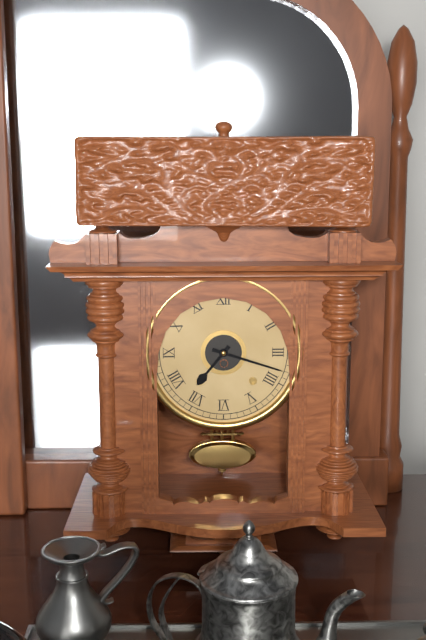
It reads **7:18**
